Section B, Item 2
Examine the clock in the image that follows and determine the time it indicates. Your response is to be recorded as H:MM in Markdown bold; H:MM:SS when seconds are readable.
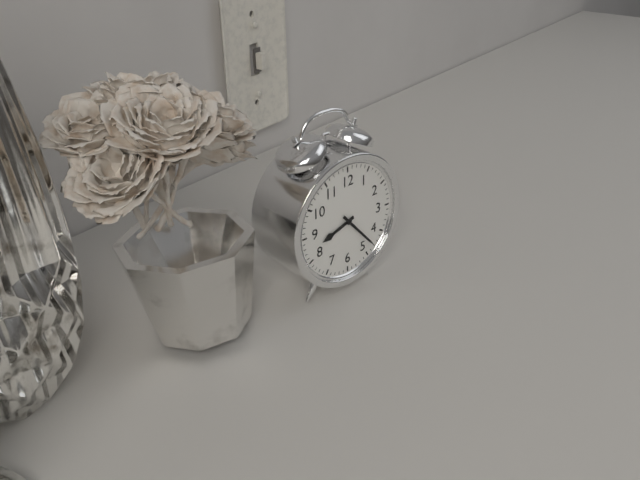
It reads **8:23**
